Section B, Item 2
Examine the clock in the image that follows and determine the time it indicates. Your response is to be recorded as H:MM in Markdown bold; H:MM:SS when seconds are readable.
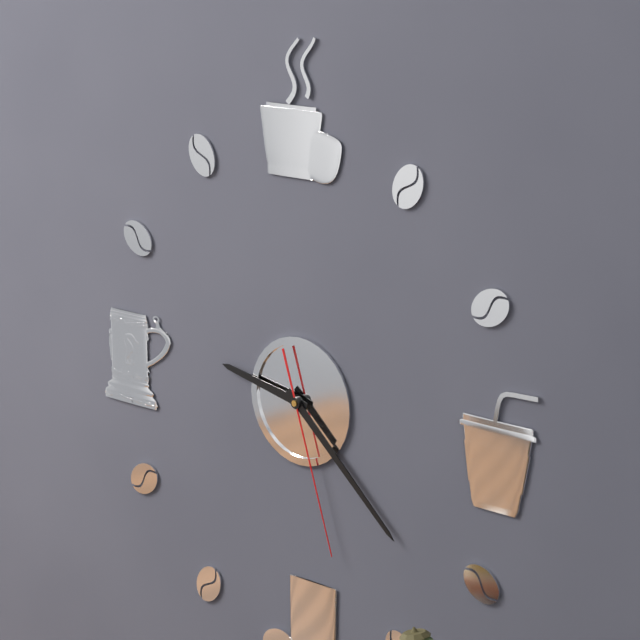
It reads **9:22:27**
